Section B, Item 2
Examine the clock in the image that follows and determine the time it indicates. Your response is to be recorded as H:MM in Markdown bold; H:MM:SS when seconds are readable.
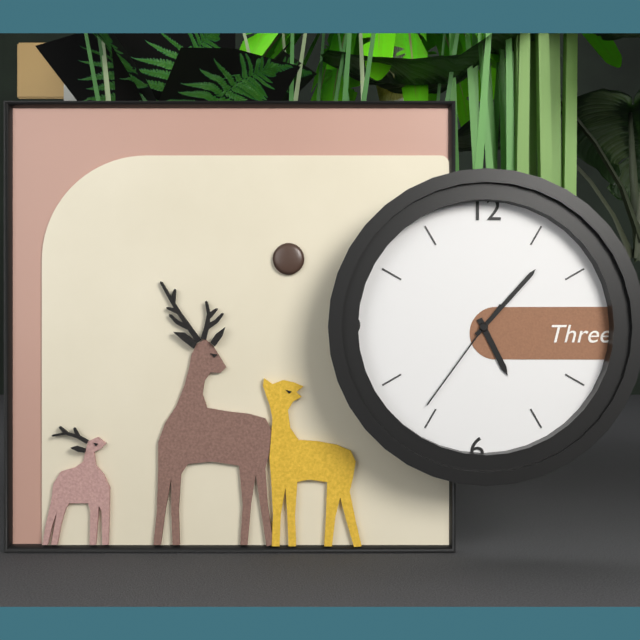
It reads **5:07:36**
